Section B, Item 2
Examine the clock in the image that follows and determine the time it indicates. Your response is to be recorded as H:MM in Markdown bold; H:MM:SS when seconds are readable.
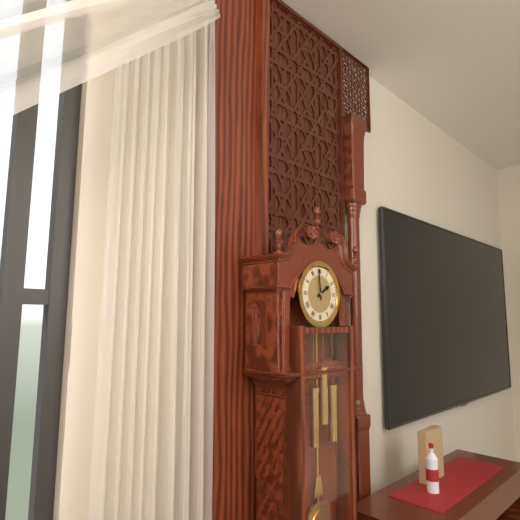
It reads **1:59**
